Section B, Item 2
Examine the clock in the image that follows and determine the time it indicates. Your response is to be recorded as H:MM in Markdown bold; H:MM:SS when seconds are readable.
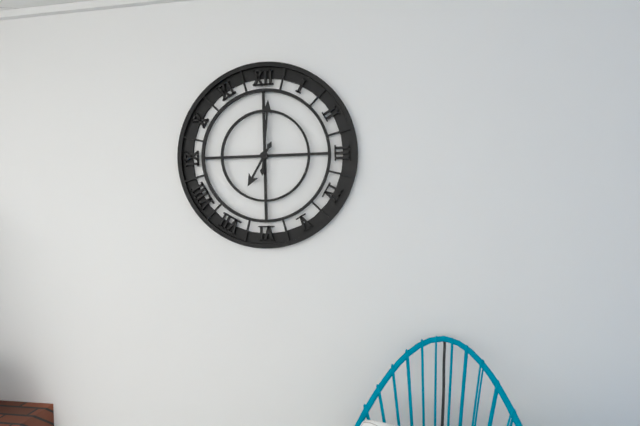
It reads **7:01**
